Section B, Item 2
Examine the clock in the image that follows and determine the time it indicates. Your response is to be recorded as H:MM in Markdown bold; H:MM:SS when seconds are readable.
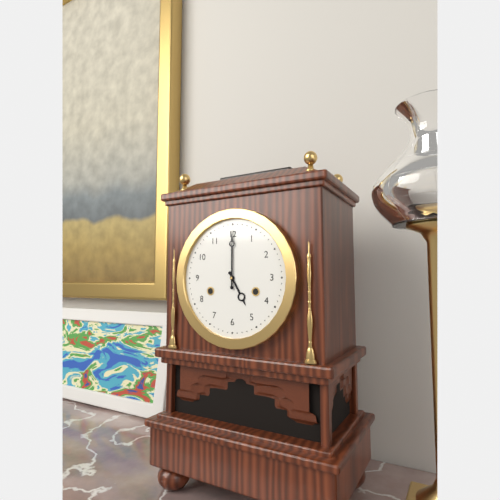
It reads **5:00**
